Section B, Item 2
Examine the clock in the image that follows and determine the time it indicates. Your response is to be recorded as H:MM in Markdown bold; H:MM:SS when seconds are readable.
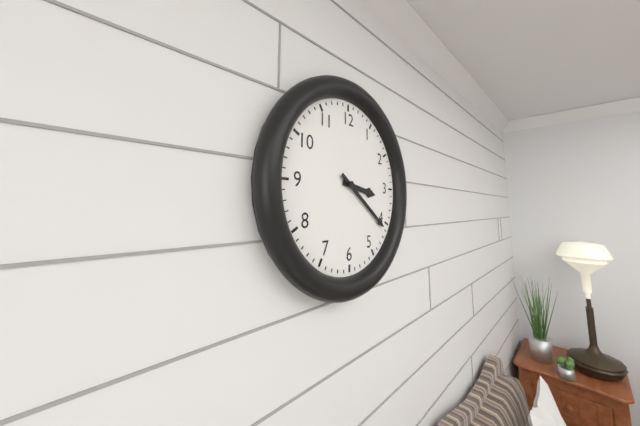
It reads **3:21**
